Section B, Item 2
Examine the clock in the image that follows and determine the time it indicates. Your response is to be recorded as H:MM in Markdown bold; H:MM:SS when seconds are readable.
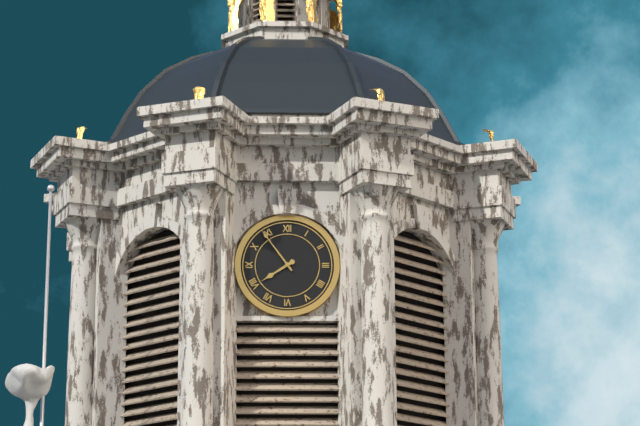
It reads **7:54**
